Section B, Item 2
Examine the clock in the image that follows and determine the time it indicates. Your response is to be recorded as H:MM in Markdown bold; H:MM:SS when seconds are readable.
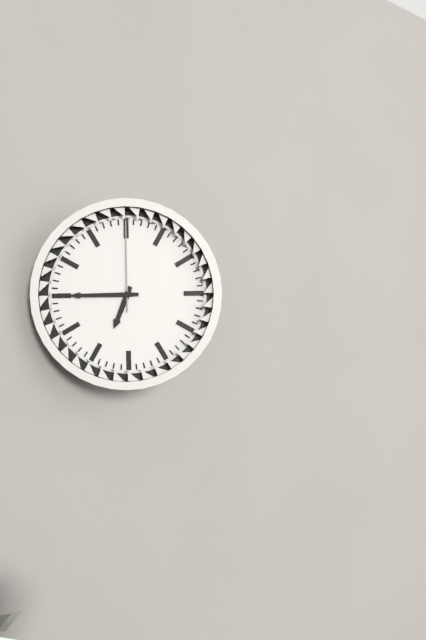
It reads **6:45:00**
